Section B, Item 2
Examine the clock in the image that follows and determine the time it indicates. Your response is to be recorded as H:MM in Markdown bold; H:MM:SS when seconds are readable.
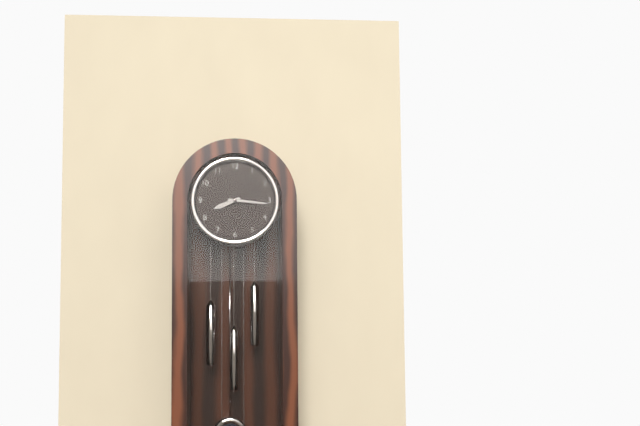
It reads **8:16**
